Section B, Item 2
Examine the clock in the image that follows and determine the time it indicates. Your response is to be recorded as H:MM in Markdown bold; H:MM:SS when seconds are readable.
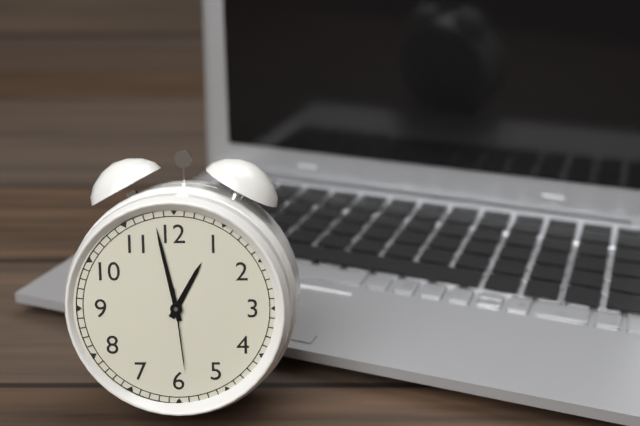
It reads **12:58:29**
